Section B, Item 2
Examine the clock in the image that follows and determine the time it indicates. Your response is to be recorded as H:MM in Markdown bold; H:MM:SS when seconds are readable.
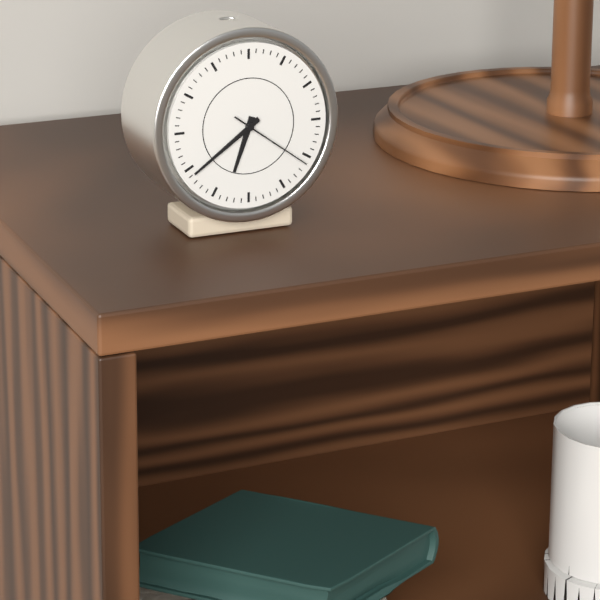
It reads **6:39:21**
